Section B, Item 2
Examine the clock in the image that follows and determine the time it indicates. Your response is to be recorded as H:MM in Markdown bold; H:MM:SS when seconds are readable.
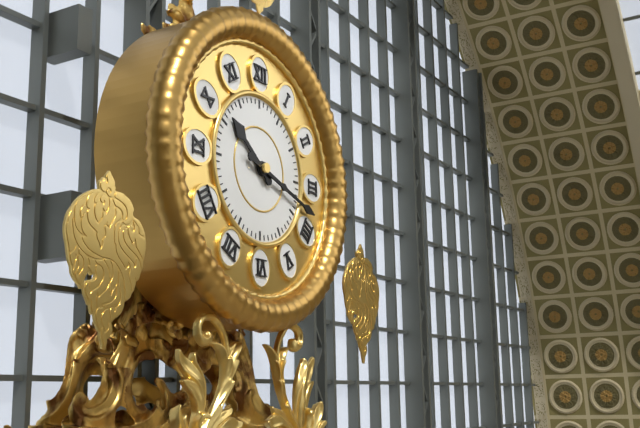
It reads **10:18**
